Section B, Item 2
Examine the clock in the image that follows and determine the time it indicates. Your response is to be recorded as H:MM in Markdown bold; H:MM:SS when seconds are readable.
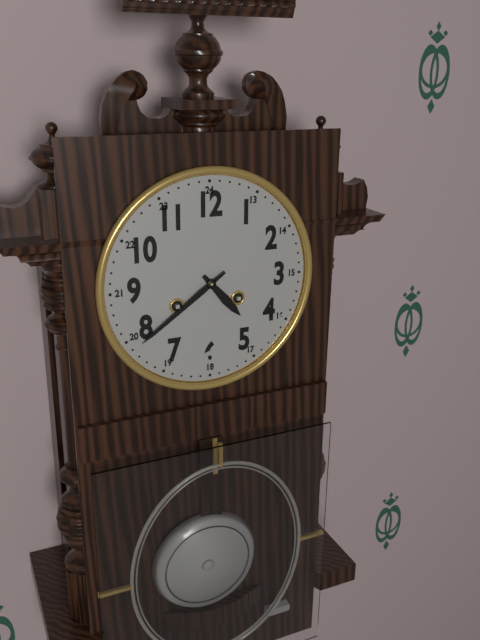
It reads **4:39**
